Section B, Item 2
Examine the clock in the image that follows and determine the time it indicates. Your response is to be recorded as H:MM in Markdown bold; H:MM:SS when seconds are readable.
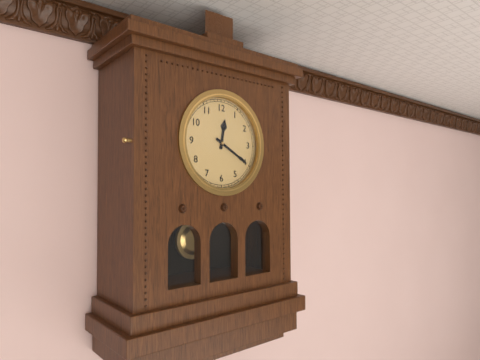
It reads **12:20**
